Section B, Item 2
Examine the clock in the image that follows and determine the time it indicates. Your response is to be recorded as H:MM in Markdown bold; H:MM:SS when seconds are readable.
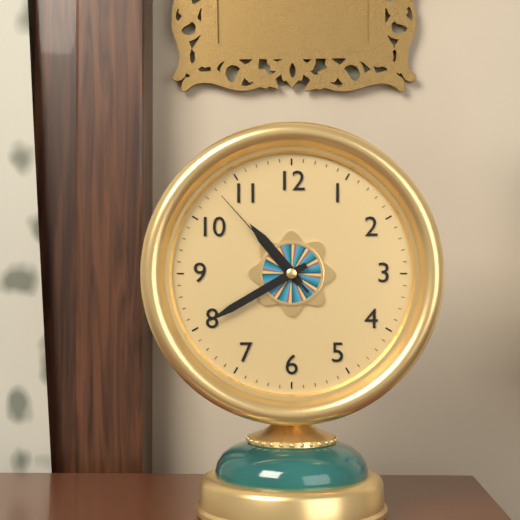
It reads **10:40:53**
